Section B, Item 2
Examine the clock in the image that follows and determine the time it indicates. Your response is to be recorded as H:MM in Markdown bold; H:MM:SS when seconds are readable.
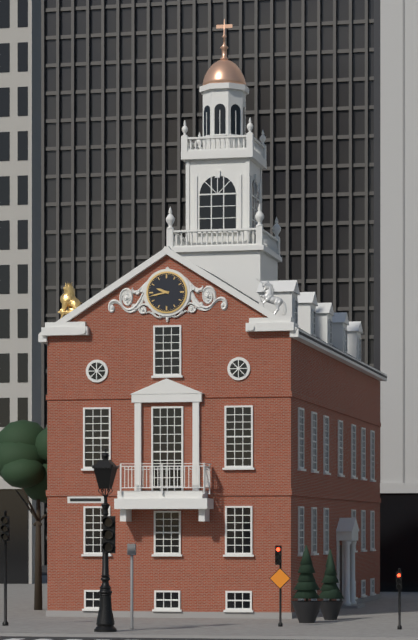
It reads **9:43**
